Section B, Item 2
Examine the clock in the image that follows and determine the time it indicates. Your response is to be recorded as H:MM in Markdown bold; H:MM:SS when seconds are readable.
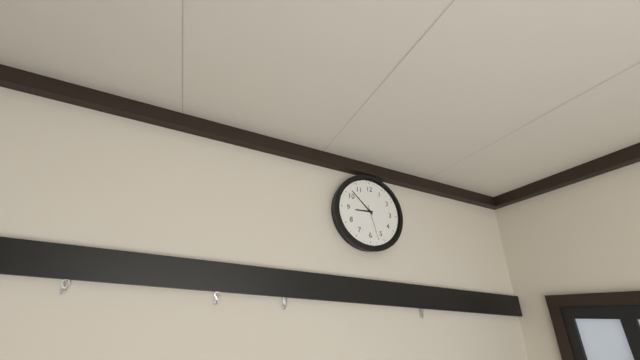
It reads **8:52**
